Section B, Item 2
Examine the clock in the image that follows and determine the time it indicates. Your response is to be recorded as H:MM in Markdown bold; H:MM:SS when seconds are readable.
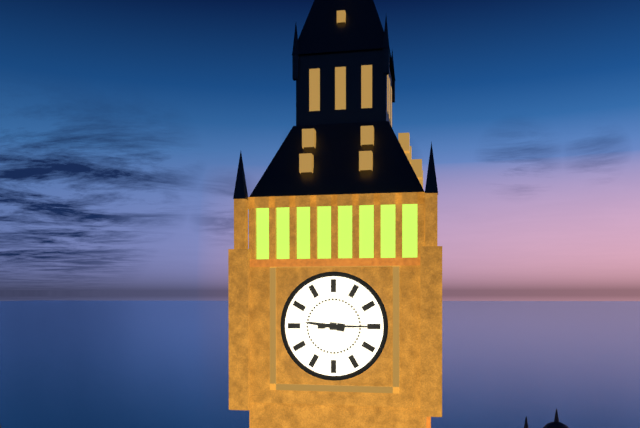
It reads **9:15**
